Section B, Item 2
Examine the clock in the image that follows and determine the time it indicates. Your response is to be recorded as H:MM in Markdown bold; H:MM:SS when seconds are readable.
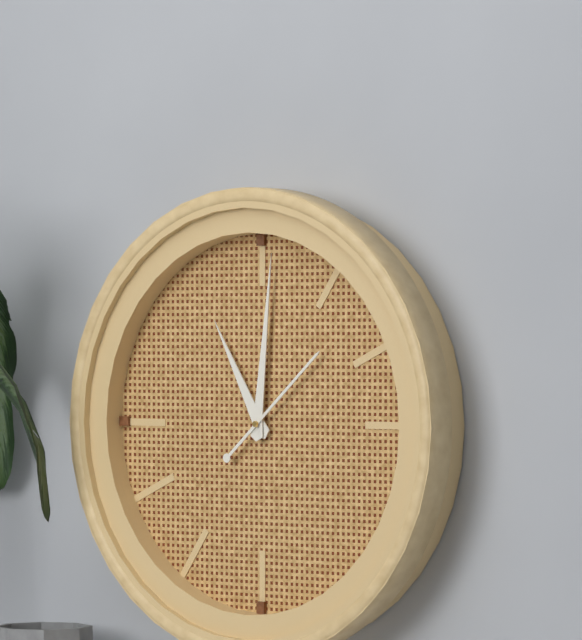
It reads **11:01:08**
